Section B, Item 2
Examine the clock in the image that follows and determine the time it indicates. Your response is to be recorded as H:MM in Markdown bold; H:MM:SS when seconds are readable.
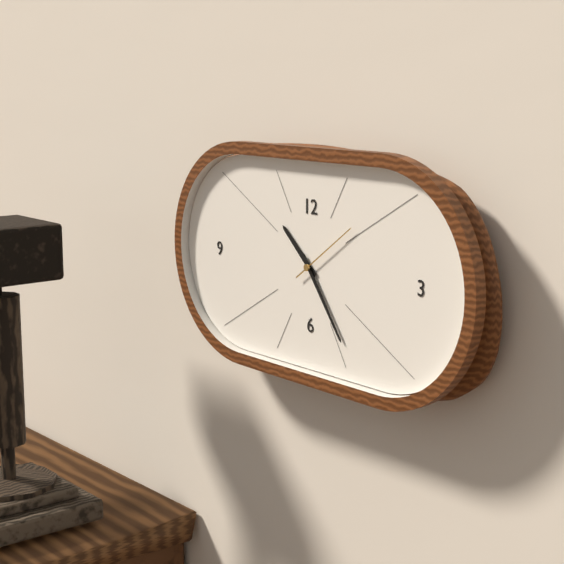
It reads **10:24:09**
